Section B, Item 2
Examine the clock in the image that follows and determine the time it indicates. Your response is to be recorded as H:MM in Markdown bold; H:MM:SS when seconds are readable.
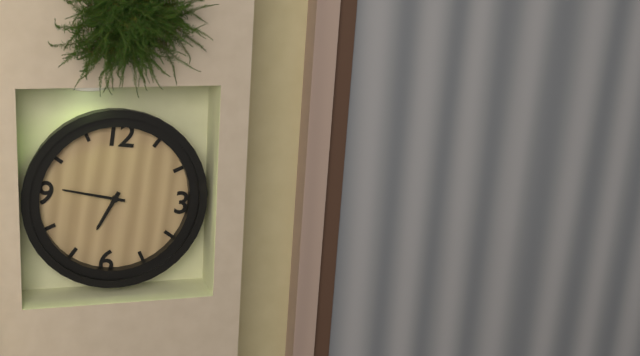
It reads **6:46**
